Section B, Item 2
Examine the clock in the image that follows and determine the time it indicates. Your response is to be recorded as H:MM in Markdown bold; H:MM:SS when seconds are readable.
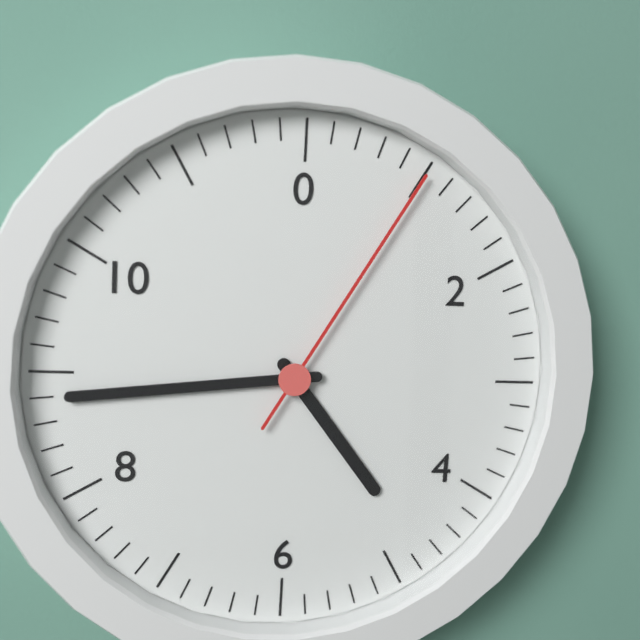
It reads **4:44:05**
